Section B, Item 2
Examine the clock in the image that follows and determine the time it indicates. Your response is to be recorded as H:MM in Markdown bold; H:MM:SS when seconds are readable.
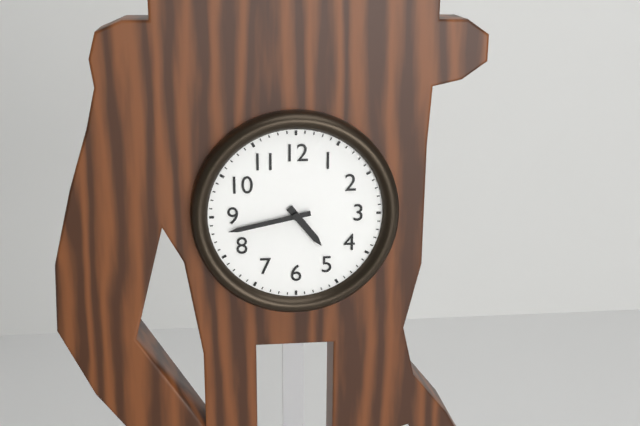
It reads **4:43**
